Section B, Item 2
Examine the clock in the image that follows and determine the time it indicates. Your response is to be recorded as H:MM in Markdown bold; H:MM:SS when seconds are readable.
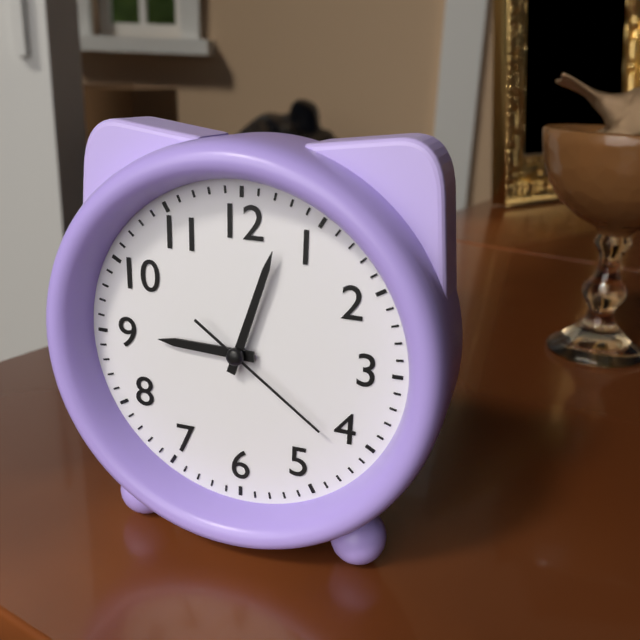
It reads **9:03:21**
